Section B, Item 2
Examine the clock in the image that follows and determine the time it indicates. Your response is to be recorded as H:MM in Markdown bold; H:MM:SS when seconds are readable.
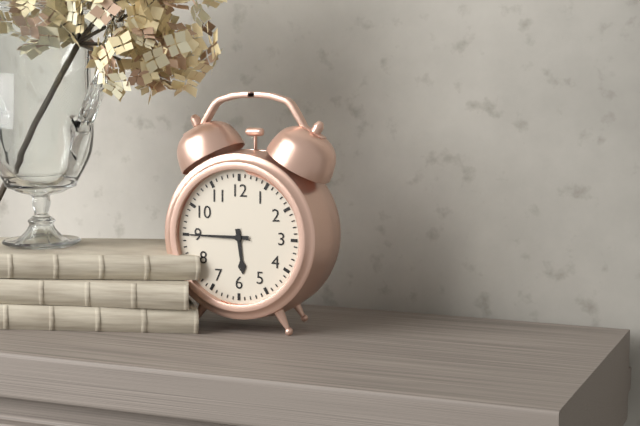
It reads **5:45**
